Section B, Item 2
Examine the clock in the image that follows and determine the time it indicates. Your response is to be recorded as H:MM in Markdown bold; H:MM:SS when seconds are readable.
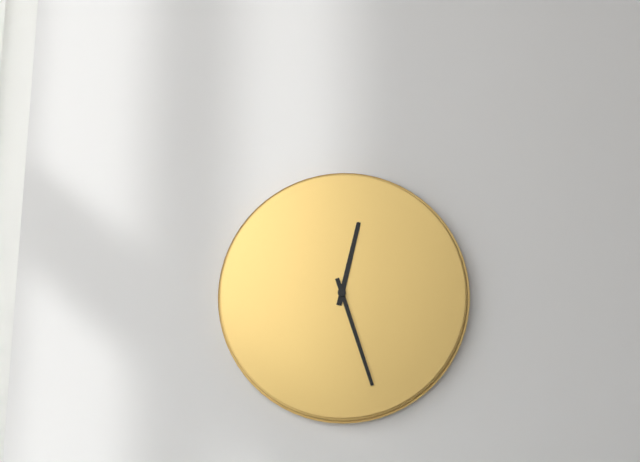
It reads **12:27**
